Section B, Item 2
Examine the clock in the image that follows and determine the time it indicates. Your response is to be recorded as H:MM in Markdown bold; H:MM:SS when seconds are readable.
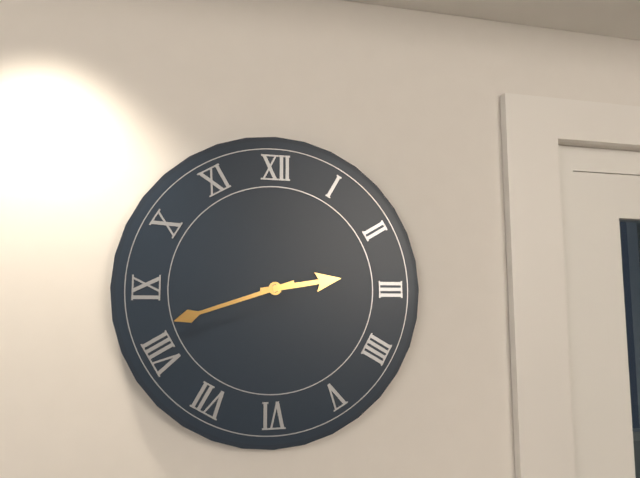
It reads **2:42**
